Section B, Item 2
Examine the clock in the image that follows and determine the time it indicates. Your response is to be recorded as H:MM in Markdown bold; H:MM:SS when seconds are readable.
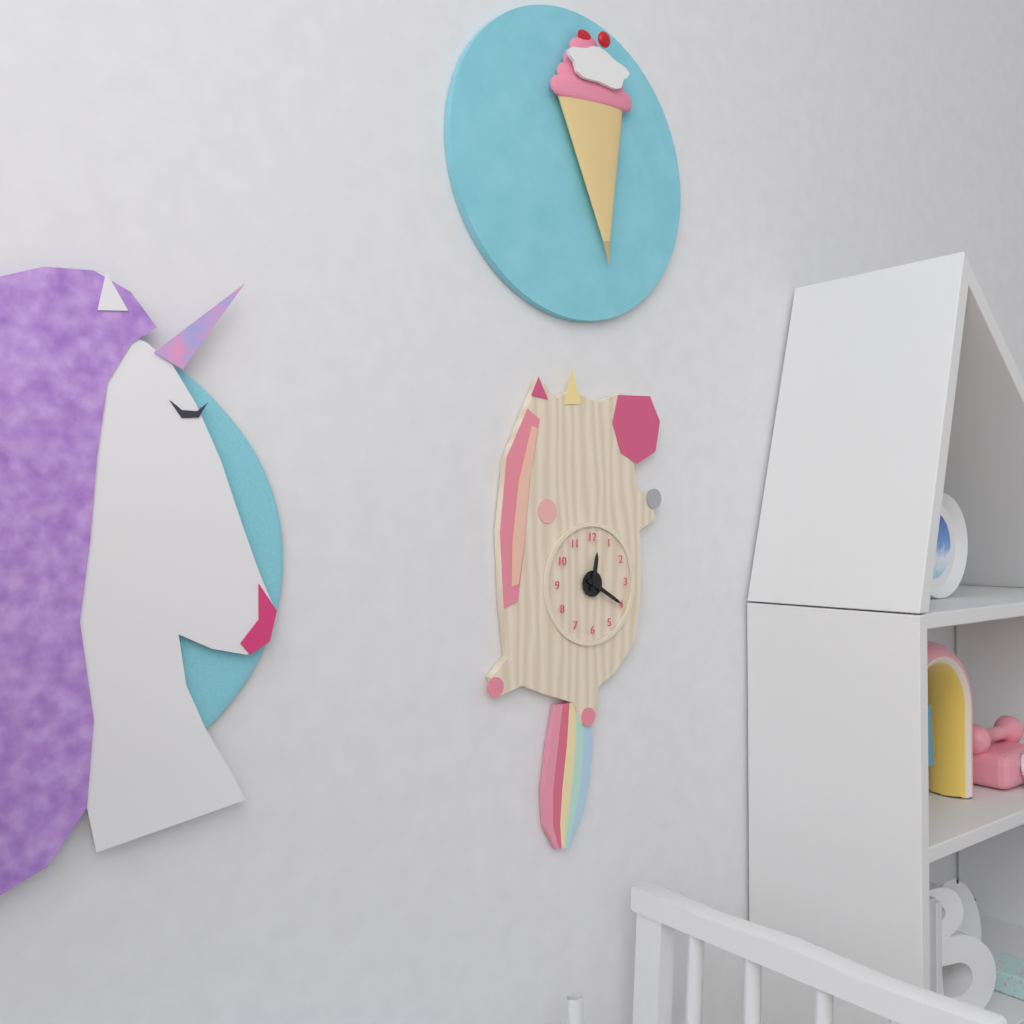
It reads **12:20**
